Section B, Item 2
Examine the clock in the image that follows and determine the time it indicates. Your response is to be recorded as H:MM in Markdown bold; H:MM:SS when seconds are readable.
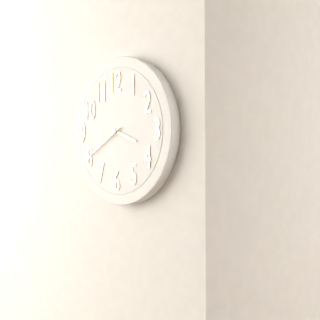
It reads **3:40**
